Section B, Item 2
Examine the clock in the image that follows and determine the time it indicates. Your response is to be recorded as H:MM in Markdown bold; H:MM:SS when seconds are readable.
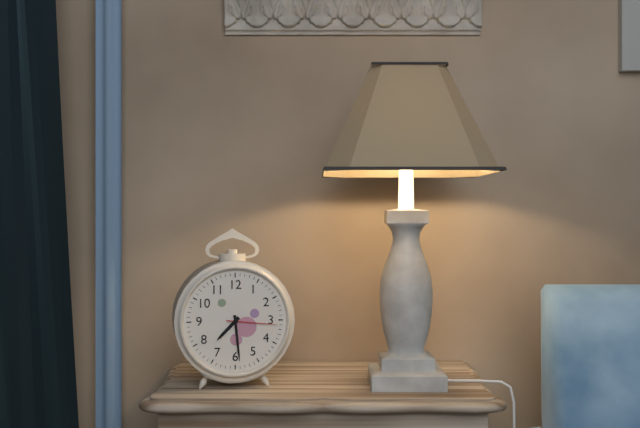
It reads **7:29:16**
